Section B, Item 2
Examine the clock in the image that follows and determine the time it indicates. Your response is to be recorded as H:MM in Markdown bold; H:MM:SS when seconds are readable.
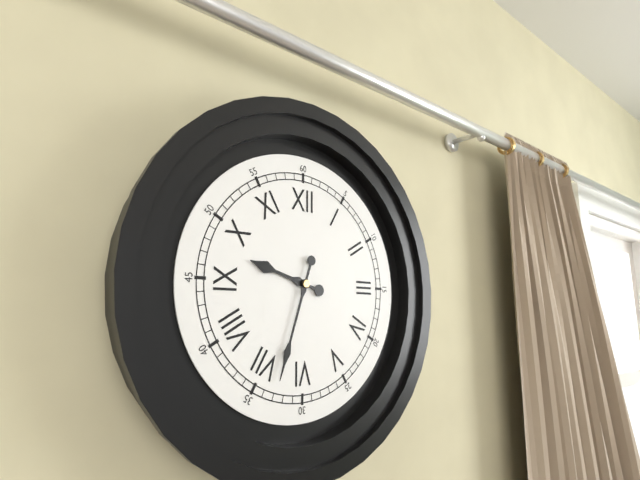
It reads **9:33**
